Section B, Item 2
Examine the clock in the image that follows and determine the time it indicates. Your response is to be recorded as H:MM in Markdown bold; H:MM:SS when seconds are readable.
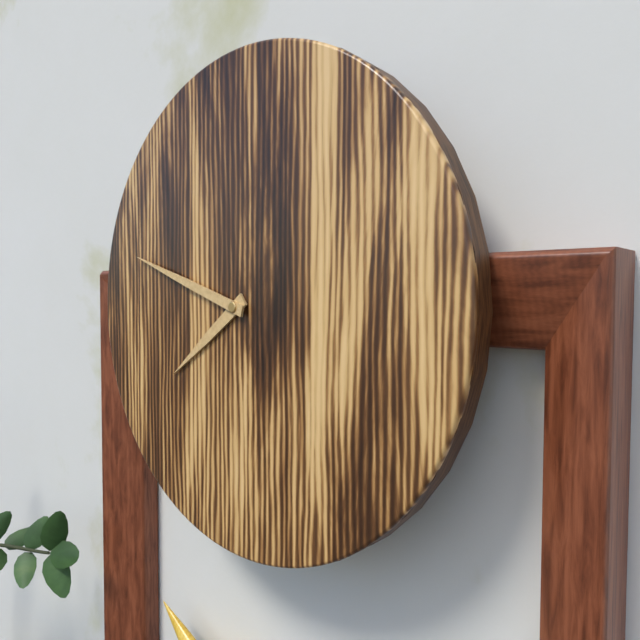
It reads **7:48**
